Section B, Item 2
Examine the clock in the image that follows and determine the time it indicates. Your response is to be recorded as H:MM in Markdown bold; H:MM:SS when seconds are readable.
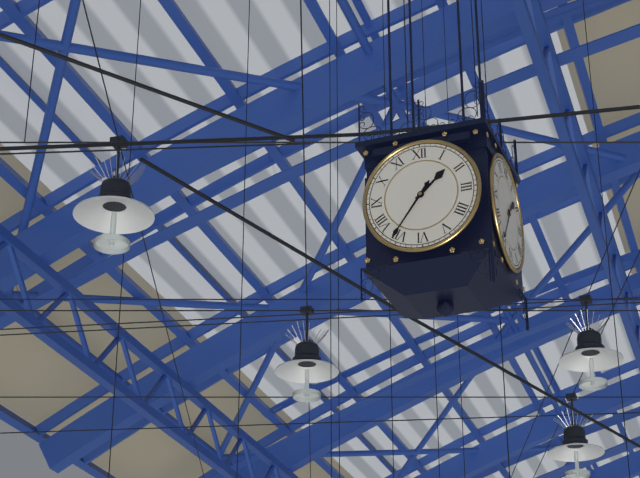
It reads **1:36**
